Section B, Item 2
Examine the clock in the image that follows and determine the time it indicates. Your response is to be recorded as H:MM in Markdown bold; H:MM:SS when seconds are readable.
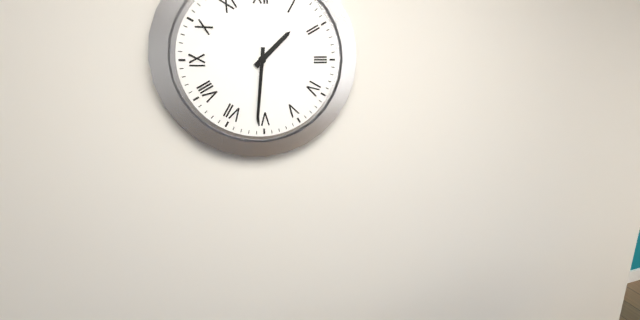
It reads **1:31**
